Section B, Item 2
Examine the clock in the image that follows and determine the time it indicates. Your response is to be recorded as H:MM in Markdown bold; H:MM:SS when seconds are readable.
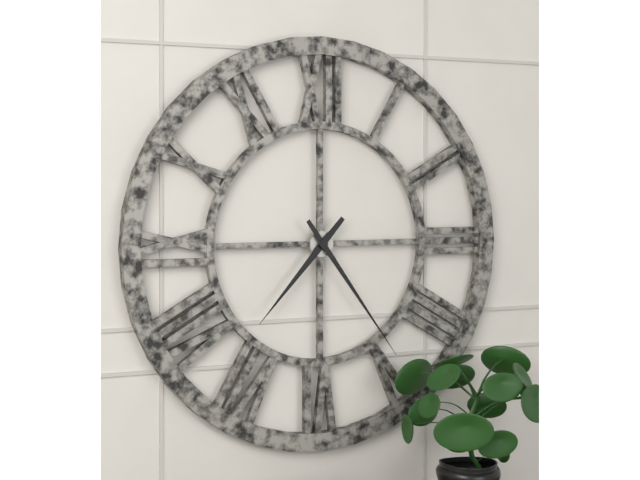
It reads **7:24**
